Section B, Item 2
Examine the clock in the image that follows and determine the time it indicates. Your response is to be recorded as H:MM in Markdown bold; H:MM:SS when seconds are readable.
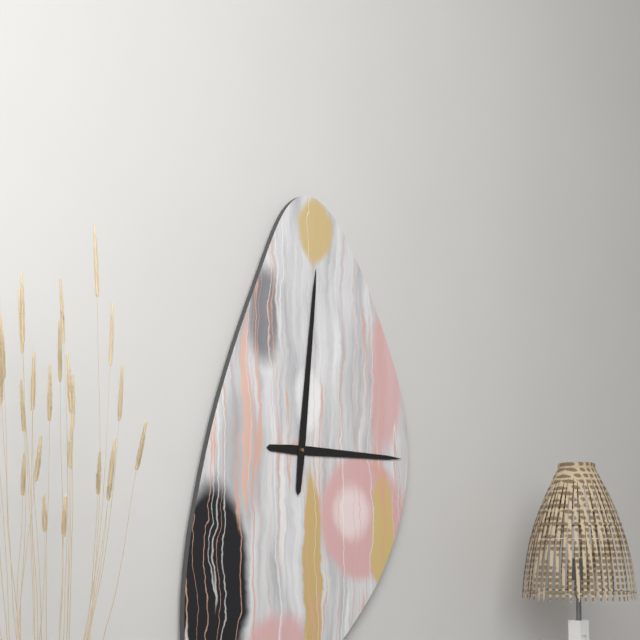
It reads **3:01**
